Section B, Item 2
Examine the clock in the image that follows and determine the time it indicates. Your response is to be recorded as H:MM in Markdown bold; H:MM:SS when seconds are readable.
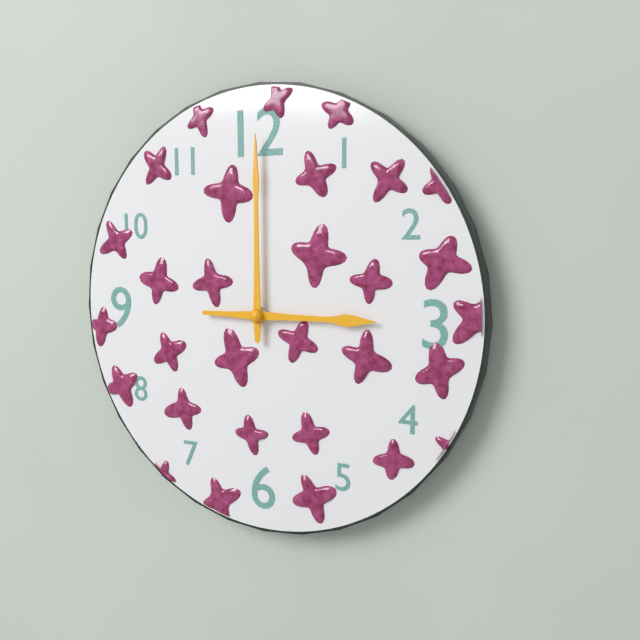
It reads **3:00**
